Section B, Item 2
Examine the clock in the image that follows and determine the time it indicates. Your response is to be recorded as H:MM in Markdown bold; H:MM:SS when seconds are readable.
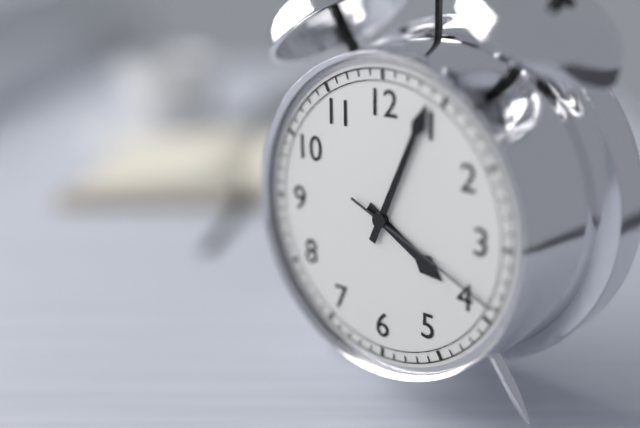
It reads **4:04:19**
